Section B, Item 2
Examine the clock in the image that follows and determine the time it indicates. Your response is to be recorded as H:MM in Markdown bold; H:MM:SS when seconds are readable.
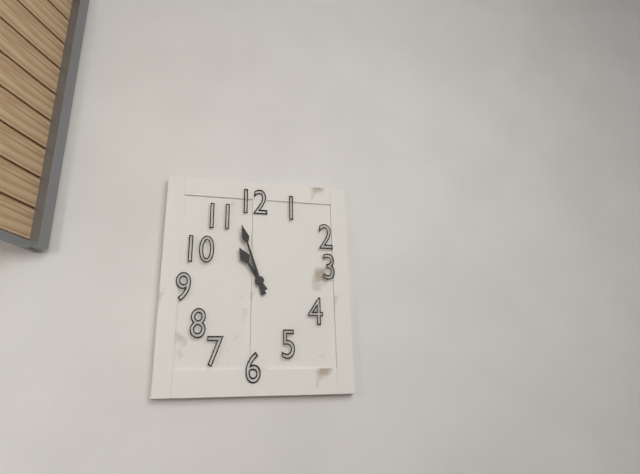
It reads **10:57**
